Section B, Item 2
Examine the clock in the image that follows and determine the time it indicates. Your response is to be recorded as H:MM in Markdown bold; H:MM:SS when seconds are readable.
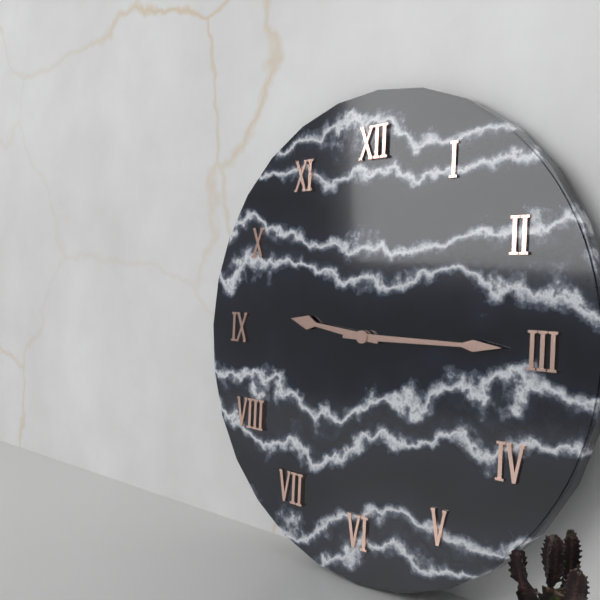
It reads **9:15**
